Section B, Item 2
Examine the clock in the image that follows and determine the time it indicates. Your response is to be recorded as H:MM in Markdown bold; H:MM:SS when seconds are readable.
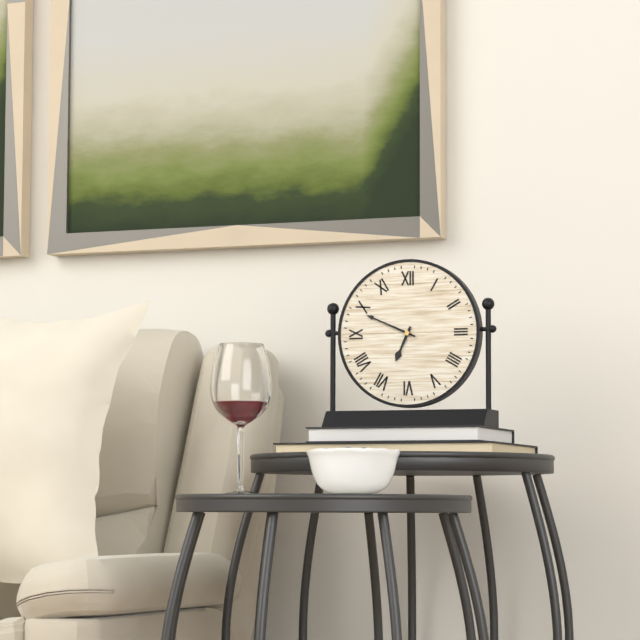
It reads **6:49**
